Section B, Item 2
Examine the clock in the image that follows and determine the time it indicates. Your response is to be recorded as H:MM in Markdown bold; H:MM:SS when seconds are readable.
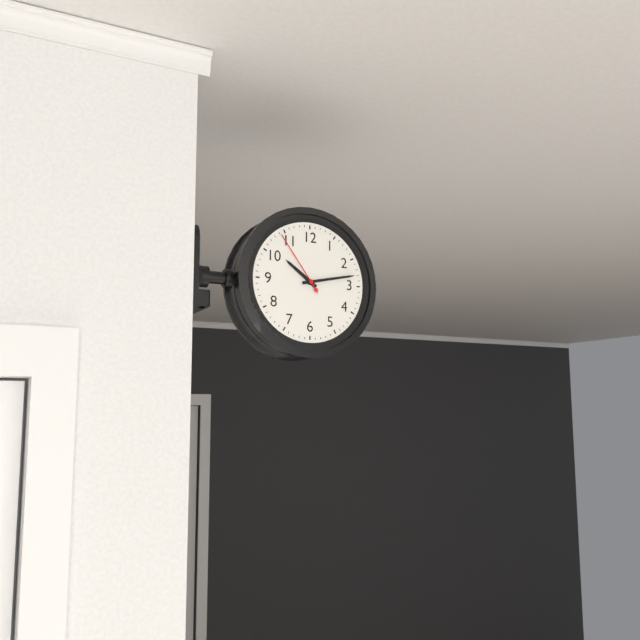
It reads **10:13:54**
